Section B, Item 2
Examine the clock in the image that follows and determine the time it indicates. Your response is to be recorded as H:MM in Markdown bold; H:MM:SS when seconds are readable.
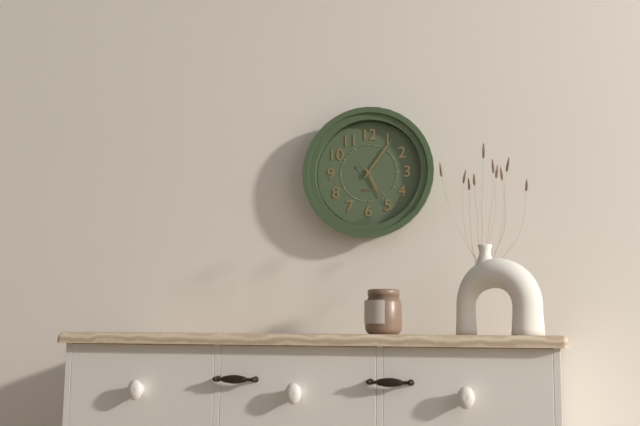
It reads **5:06:24**
